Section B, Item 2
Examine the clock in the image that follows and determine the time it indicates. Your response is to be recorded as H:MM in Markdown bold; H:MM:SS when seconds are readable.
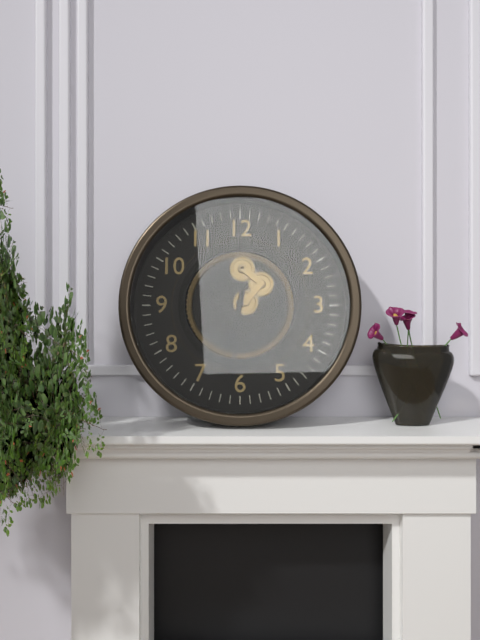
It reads **6:31**
